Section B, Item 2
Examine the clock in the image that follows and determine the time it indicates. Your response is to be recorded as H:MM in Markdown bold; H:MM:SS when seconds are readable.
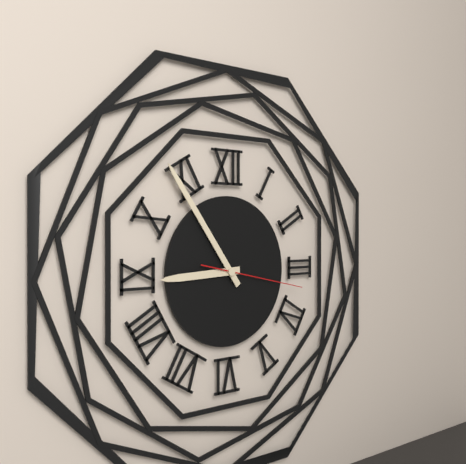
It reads **8:54:17**
